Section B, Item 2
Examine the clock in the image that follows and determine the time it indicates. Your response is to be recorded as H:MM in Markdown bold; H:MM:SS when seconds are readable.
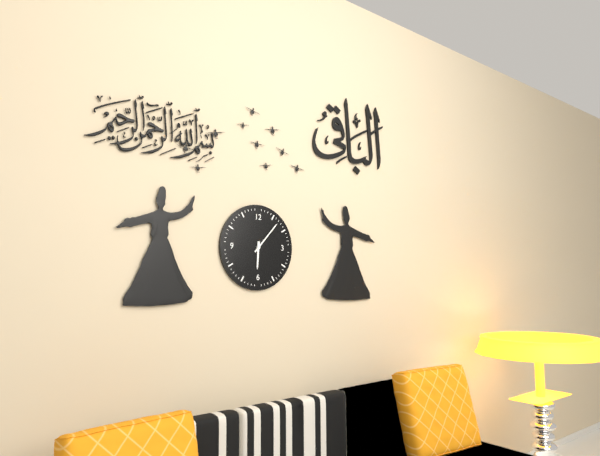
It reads **6:07**
